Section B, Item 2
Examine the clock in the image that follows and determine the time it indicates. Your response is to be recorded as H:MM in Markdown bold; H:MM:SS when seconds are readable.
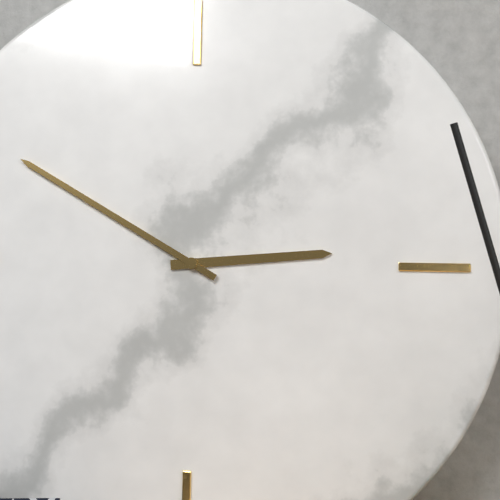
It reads **2:50**
